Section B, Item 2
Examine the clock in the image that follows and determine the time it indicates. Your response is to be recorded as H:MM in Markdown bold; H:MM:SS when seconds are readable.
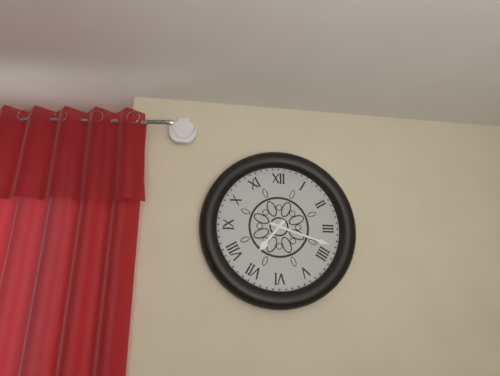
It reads **7:18**
